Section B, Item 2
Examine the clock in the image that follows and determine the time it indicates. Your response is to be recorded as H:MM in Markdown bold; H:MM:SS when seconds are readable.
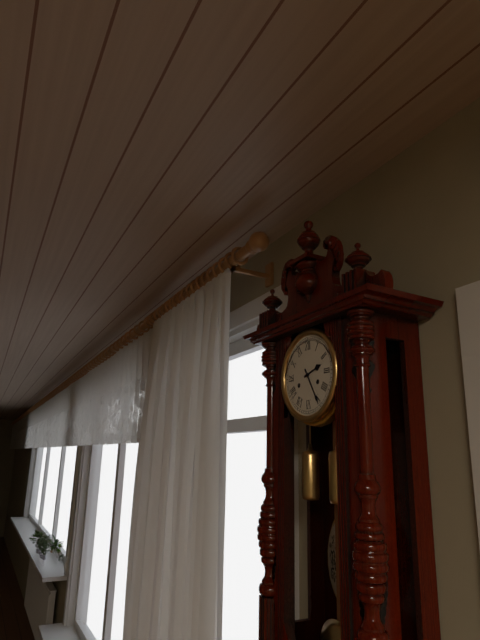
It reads **2:25**
